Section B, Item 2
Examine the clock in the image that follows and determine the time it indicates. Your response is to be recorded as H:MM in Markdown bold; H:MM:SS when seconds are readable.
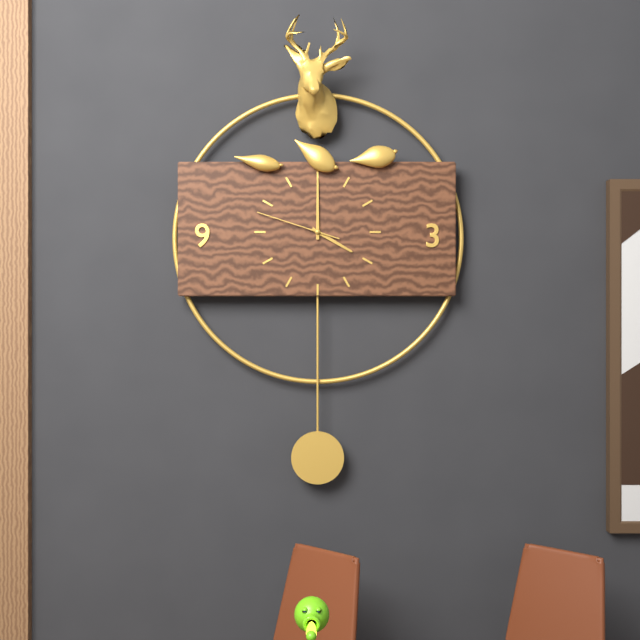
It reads **4:00:48**
